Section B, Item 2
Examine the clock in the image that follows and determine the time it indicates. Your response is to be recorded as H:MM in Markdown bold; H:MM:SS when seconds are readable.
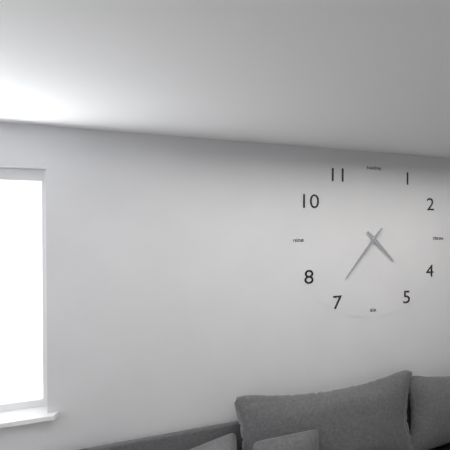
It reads **4:36**
